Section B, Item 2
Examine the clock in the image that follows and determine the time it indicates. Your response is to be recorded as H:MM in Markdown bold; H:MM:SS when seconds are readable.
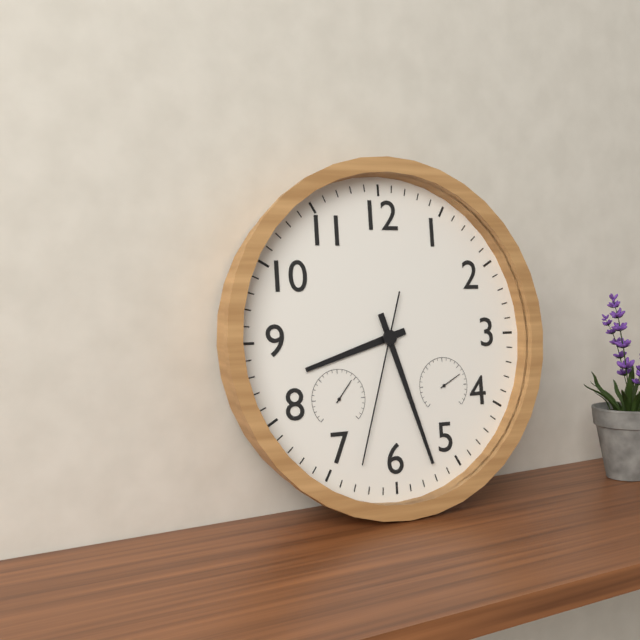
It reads **8:27:33**
